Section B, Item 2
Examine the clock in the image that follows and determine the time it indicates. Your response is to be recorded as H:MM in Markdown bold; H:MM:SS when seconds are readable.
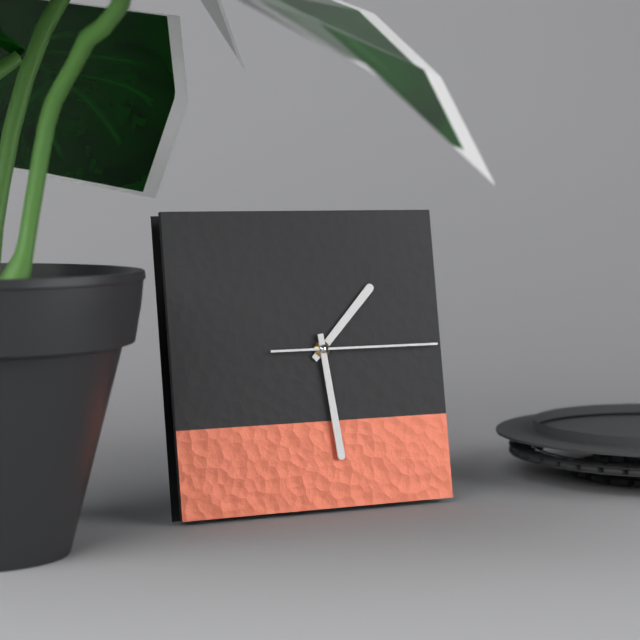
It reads **1:29:15**
